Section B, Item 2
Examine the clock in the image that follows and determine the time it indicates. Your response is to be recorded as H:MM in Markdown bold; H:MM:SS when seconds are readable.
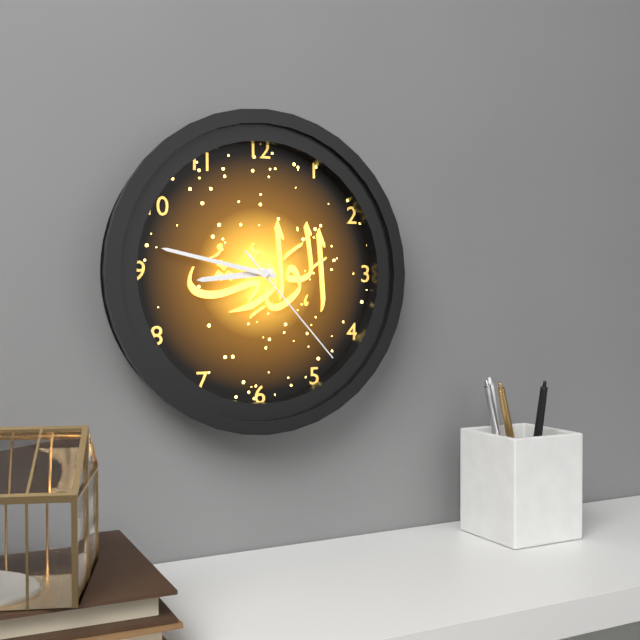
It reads **8:47:23**
